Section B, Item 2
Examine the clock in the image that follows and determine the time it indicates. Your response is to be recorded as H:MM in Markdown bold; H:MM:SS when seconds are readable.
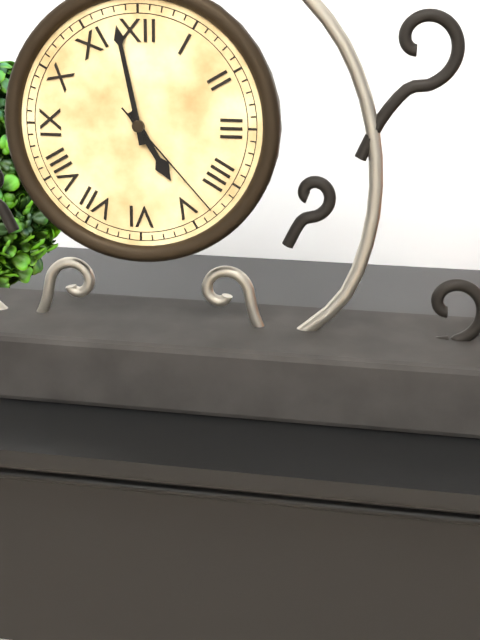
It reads **4:58:23**
